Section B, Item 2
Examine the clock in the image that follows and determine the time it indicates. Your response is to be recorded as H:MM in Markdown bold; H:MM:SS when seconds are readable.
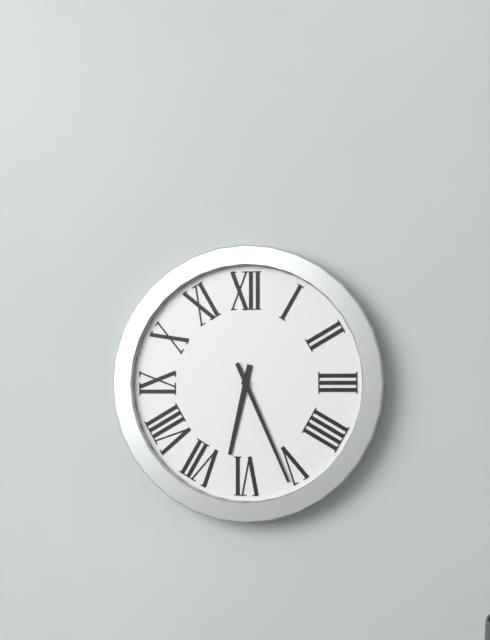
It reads **6:26**
